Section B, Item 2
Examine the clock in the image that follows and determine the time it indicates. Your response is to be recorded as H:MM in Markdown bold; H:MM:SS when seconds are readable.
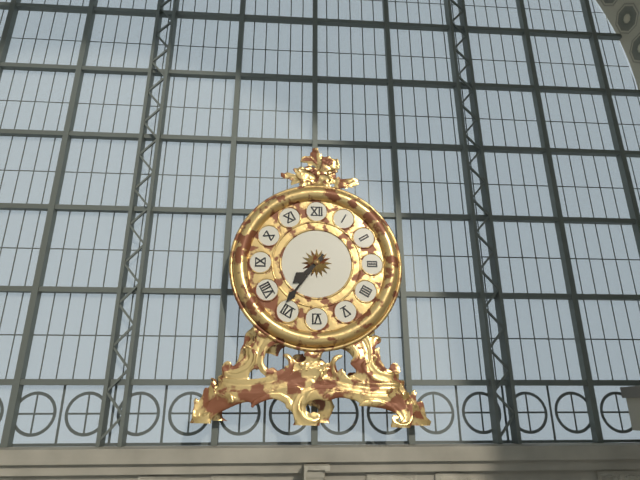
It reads **7:36**
